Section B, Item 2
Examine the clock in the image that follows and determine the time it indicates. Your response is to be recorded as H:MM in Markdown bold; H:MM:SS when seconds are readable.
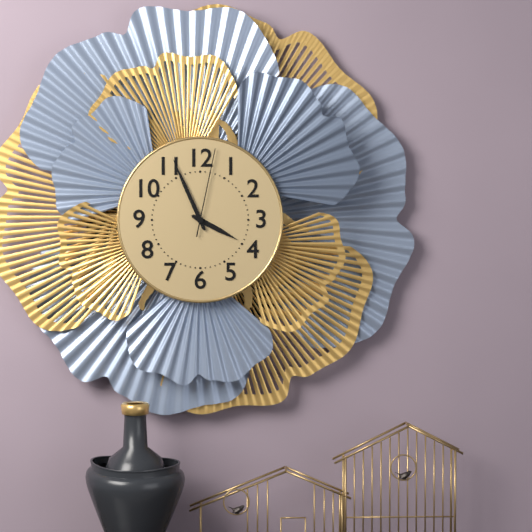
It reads **3:56:02**
